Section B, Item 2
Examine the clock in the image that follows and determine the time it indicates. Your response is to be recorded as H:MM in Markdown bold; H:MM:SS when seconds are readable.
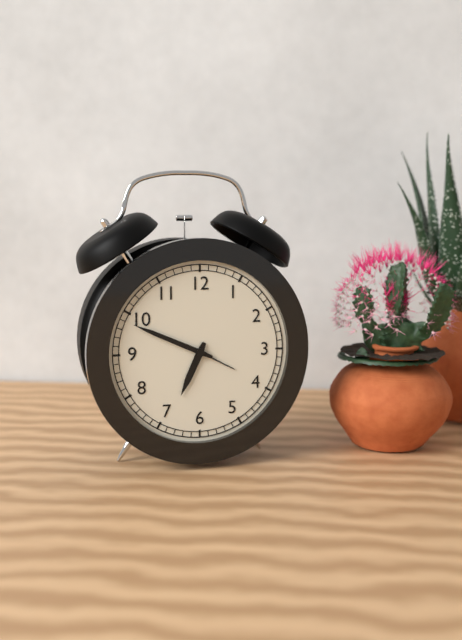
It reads **6:49**
